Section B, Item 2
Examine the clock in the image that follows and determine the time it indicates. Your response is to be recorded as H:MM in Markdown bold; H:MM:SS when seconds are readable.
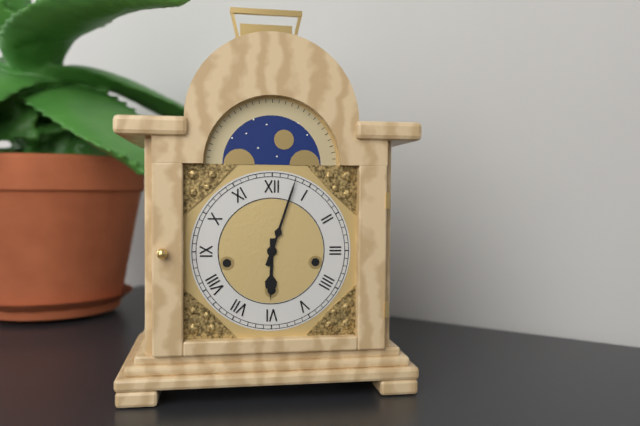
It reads **6:03**
